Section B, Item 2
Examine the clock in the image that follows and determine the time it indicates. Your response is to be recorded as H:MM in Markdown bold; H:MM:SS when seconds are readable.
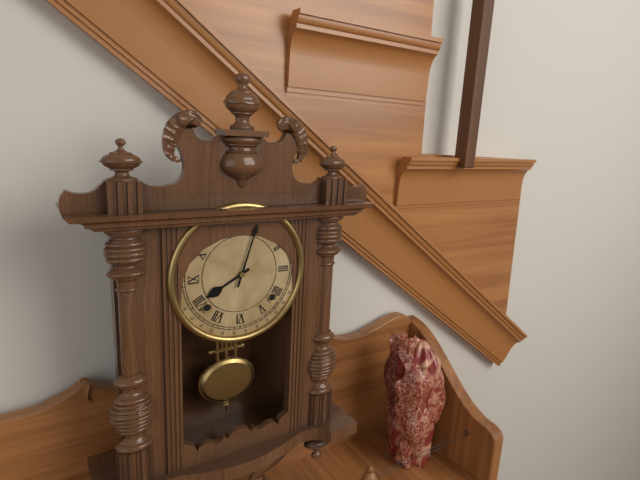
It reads **8:03**
